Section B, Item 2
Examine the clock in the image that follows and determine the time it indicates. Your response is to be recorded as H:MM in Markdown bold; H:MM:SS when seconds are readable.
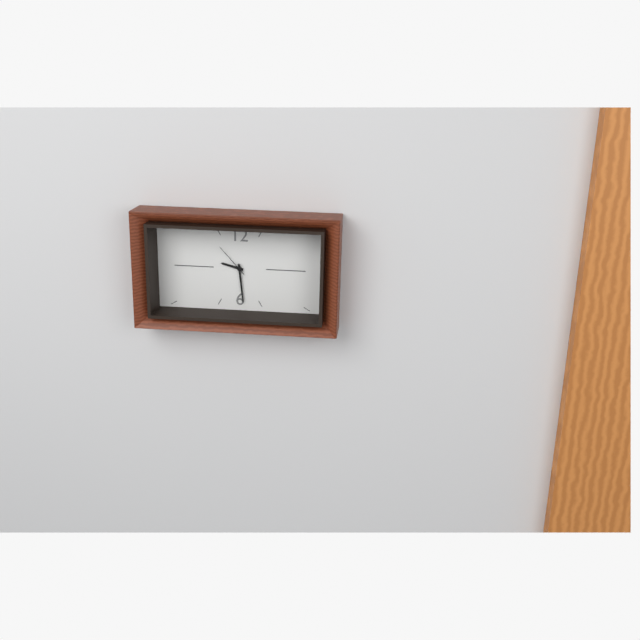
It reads **9:29**
